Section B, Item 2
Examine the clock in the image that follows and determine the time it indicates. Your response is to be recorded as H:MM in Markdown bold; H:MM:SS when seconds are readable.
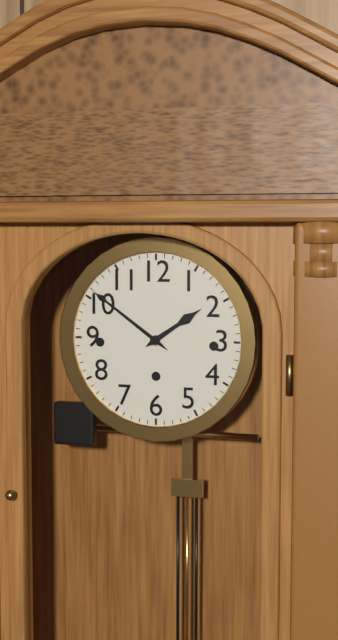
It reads **1:51**
